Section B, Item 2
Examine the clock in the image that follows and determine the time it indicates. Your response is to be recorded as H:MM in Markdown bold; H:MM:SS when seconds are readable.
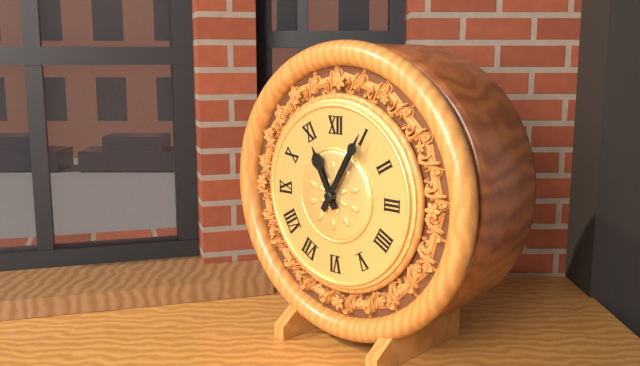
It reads **11:05**
